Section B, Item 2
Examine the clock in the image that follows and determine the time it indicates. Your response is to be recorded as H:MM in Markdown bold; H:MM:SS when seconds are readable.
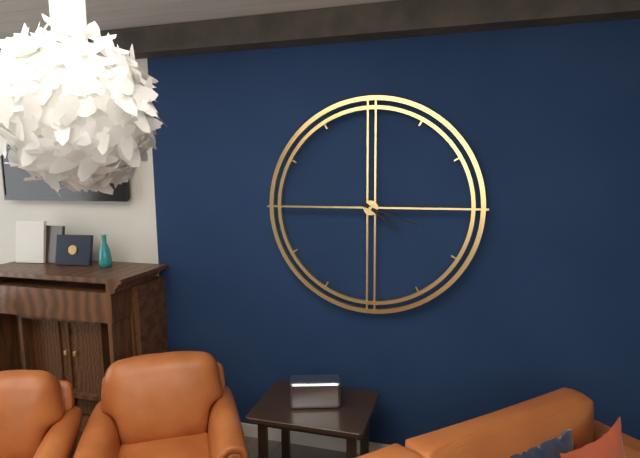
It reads **4:18**
